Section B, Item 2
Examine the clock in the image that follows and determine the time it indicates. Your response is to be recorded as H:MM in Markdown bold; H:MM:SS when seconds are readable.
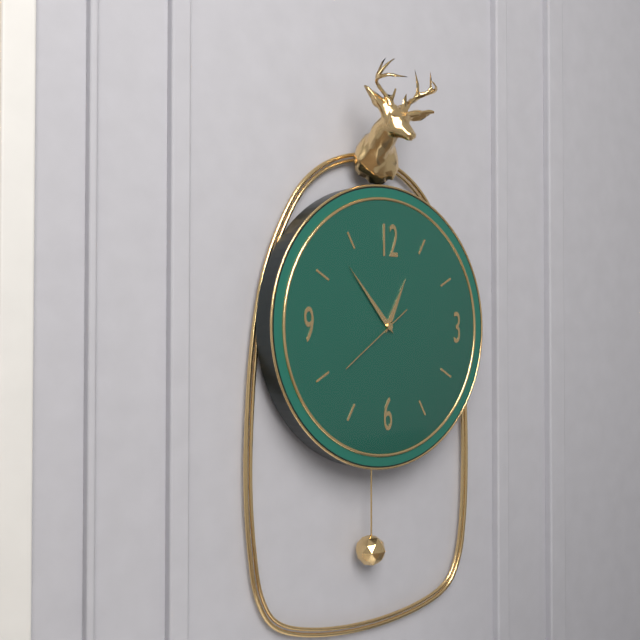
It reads **12:53:39**
